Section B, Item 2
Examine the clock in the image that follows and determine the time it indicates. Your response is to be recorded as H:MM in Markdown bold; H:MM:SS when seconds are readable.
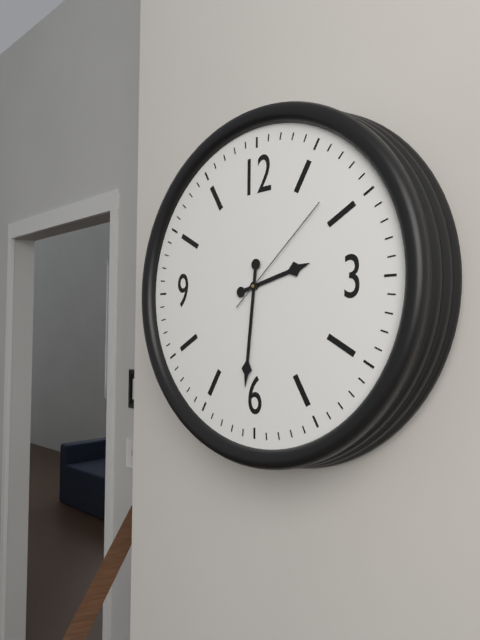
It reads **2:31:08**
